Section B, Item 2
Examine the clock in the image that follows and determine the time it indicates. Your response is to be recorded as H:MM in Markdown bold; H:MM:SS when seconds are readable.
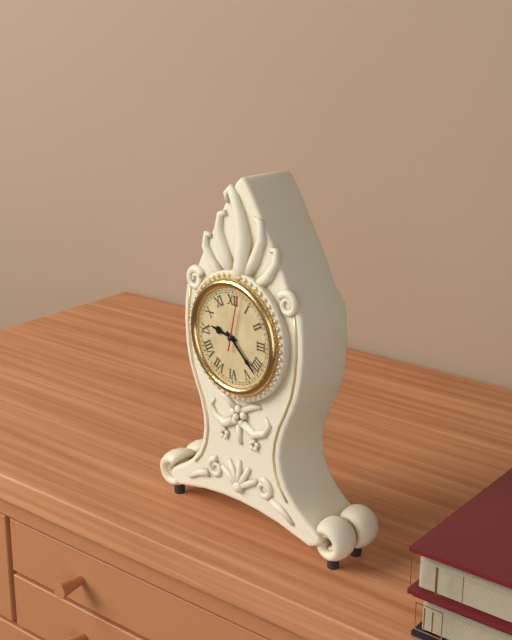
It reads **9:22:02**
